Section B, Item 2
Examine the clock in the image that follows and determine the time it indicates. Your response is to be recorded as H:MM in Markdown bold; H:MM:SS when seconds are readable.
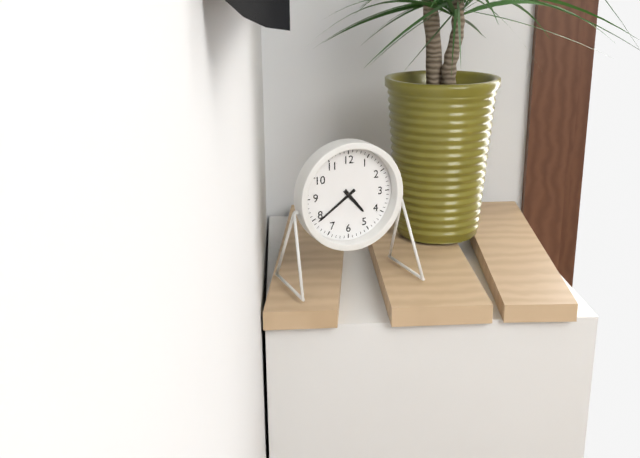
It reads **4:39**
